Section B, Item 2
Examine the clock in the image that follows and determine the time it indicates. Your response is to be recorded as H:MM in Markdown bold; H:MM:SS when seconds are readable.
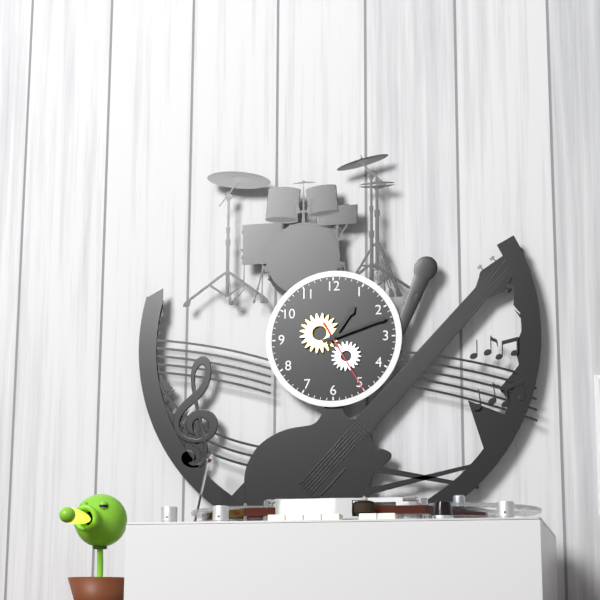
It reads **1:12:25**
